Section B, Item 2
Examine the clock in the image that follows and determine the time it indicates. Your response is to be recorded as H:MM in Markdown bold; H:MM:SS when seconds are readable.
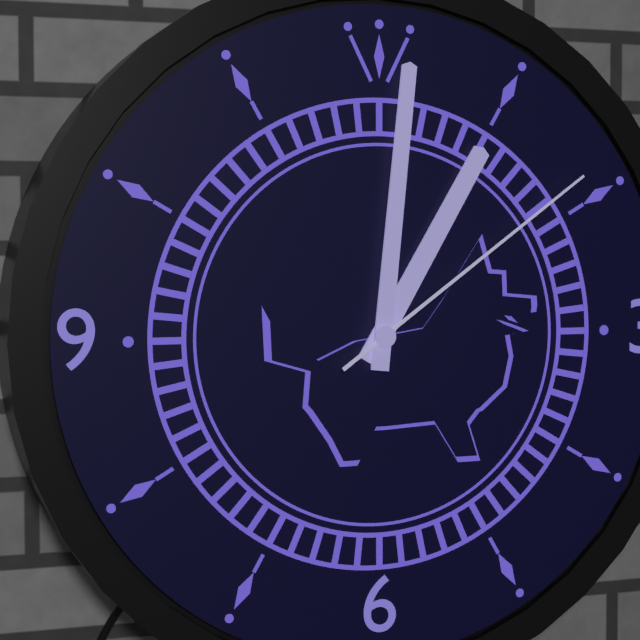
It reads **1:01:09**
